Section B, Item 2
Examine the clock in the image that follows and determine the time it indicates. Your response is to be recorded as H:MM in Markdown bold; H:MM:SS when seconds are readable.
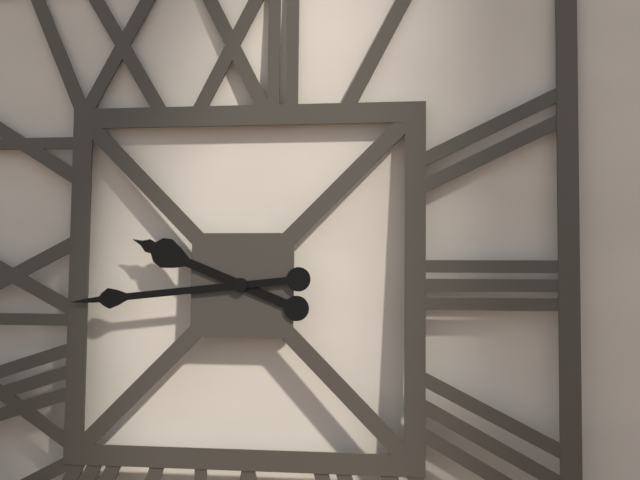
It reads **9:44**
